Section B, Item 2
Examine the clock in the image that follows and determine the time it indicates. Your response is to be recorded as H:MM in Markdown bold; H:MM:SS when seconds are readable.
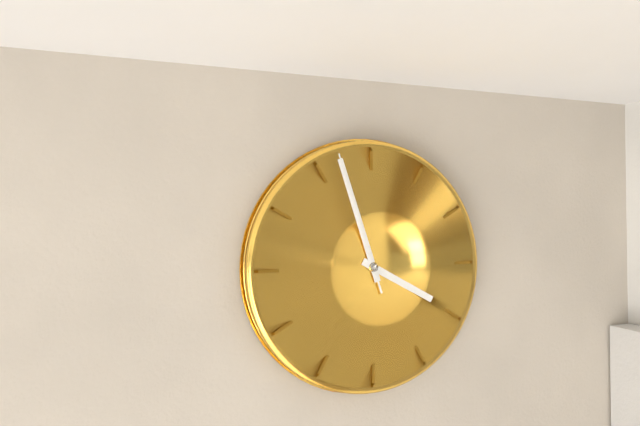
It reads **3:57:57**
